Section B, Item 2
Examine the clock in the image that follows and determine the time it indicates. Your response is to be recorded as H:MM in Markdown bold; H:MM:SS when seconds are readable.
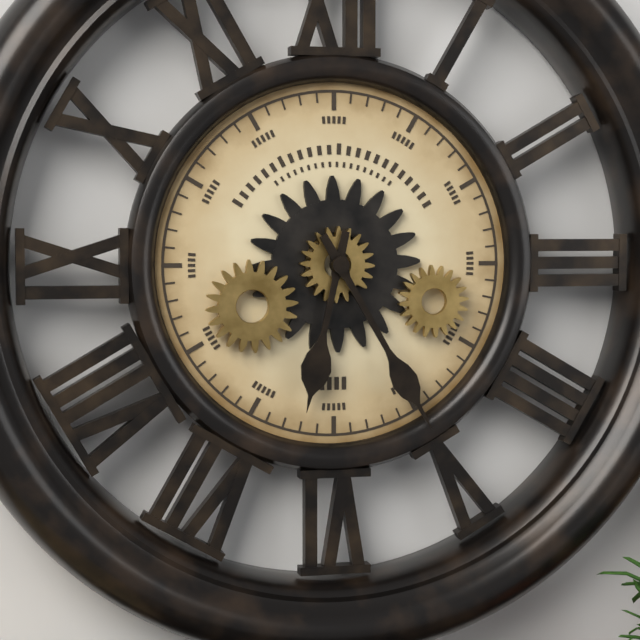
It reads **6:25**
